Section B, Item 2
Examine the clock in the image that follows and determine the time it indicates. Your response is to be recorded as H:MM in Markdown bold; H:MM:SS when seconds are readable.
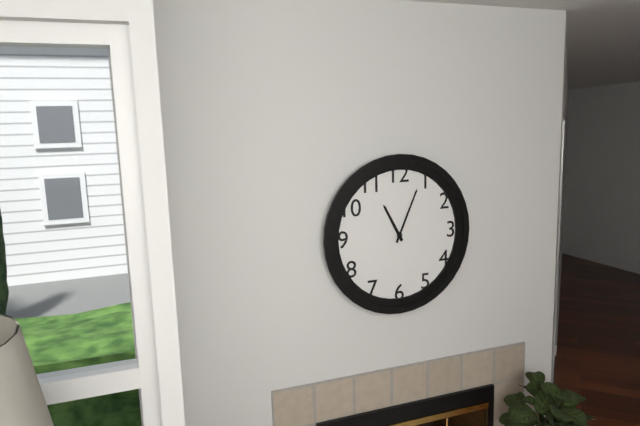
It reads **11:04**
